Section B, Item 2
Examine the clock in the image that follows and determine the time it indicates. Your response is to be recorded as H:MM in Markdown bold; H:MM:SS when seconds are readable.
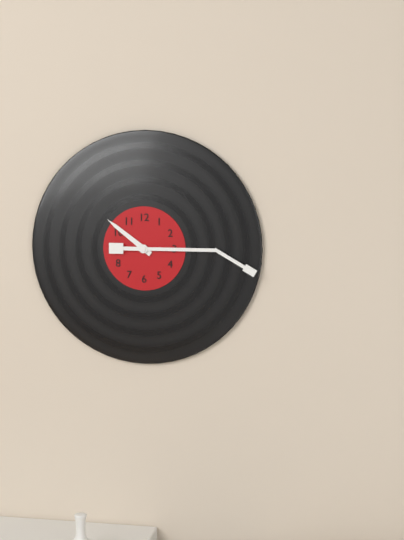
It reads **10:15**
